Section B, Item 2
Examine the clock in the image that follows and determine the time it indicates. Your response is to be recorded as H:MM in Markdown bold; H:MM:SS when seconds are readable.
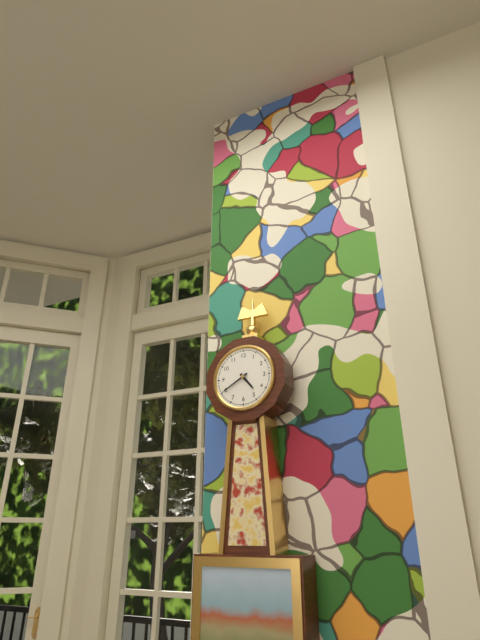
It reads **4:40**
